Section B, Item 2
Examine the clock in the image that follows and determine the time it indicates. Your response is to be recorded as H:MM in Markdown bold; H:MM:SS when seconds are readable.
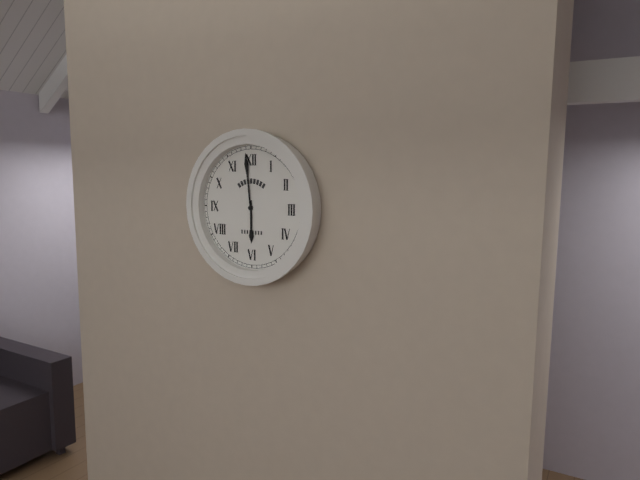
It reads **5:59**
